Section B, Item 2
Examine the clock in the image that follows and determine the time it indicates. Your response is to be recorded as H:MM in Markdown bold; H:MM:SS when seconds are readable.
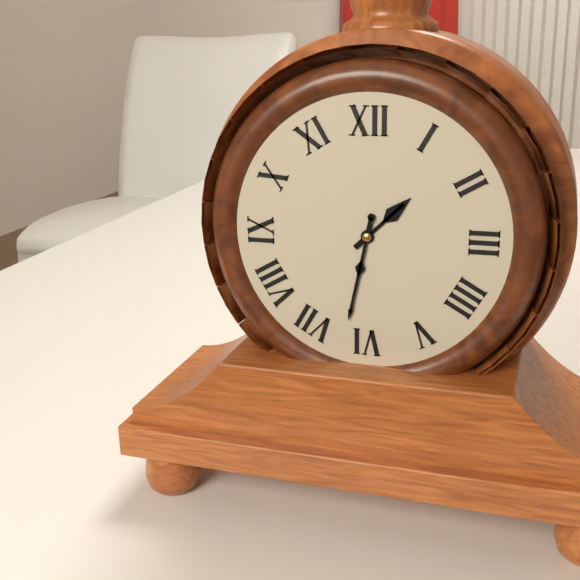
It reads **1:32**
